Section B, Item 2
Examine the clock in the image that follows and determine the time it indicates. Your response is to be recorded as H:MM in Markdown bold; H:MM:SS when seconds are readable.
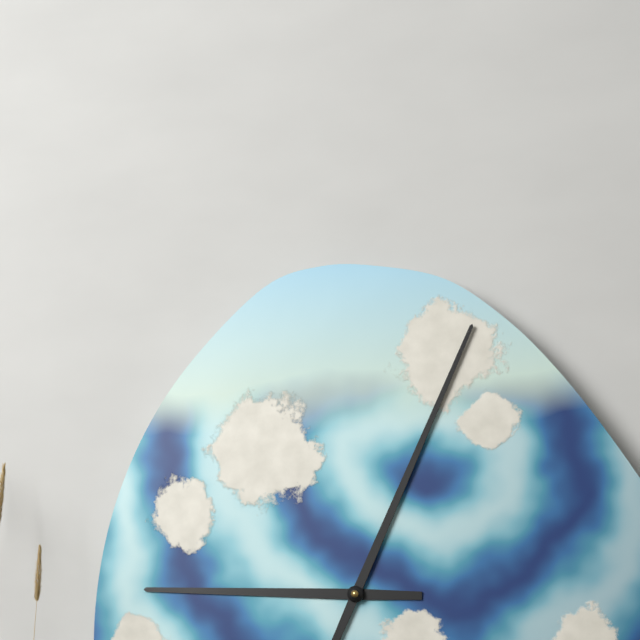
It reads **9:04**
